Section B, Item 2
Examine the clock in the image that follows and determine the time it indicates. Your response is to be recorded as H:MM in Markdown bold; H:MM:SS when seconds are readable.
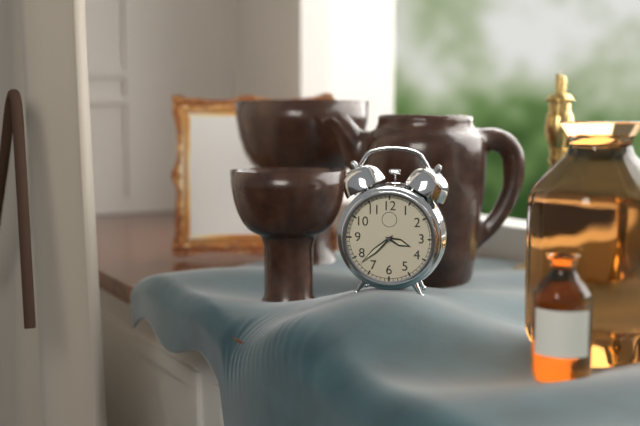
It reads **3:38**
